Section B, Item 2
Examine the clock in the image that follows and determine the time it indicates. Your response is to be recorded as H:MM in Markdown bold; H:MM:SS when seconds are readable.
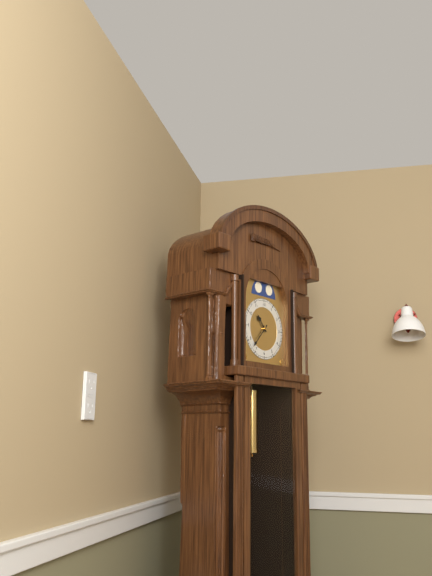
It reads **10:37**
